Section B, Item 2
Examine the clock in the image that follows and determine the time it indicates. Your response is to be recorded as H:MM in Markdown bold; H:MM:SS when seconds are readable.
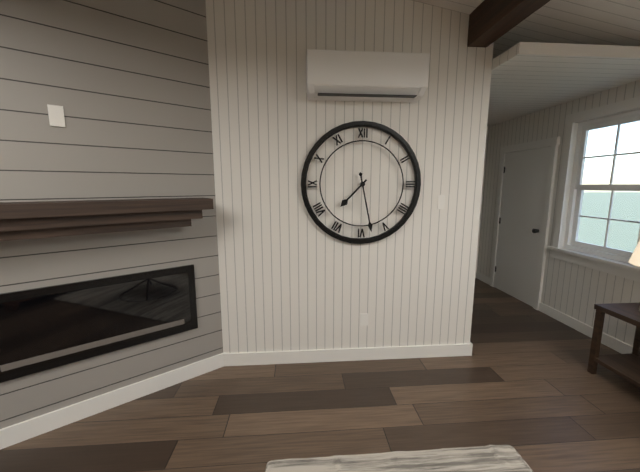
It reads **7:28**
